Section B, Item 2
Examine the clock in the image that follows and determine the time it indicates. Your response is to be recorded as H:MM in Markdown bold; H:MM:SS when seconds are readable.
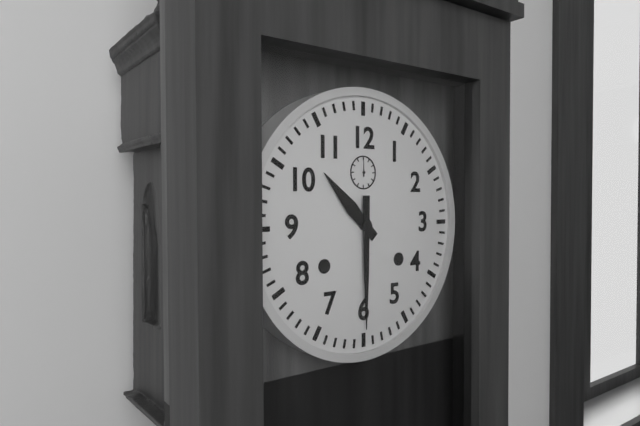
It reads **10:30**
